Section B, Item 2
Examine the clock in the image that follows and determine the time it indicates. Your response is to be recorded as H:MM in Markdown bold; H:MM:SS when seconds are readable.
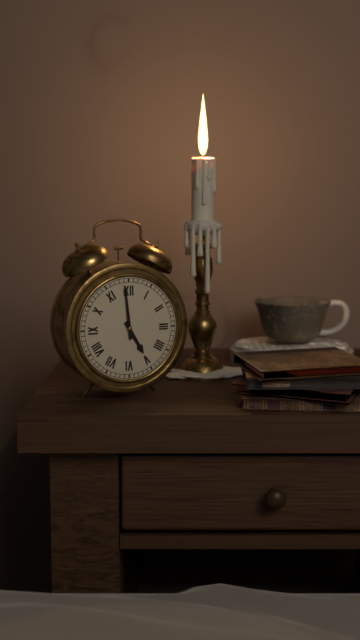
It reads **4:59**
